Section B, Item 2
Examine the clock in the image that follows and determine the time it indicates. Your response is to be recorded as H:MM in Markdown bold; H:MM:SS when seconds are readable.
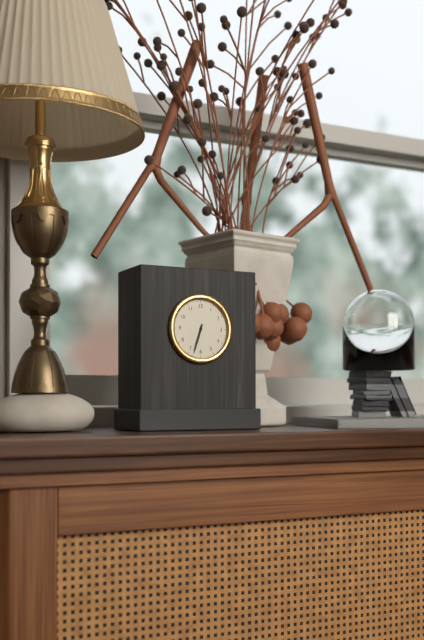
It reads **6:33**
